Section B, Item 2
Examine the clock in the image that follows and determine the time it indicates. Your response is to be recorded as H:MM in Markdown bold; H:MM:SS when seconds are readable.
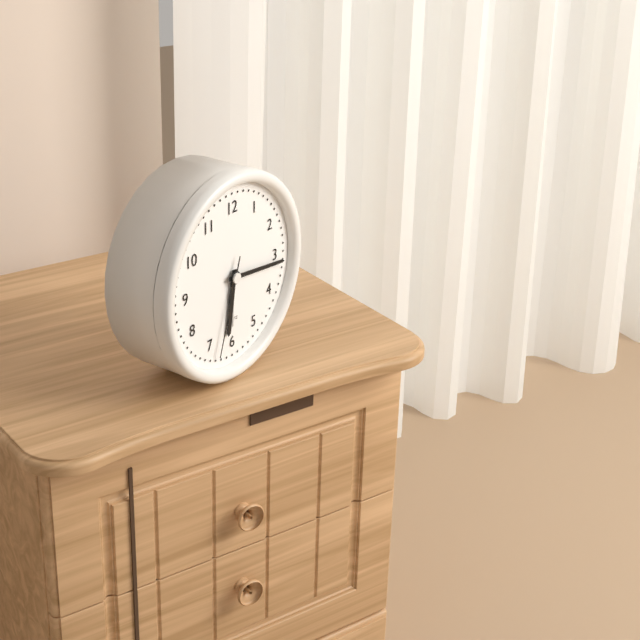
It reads **6:16:33**
